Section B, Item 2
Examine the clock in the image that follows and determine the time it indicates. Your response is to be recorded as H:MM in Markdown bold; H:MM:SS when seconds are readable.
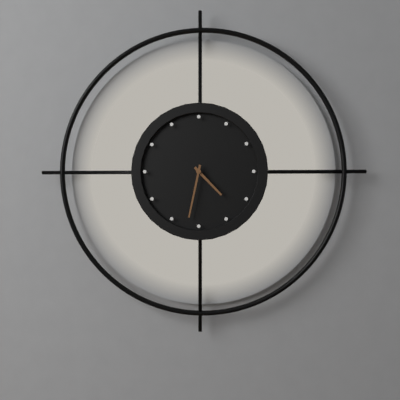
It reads **4:32**
